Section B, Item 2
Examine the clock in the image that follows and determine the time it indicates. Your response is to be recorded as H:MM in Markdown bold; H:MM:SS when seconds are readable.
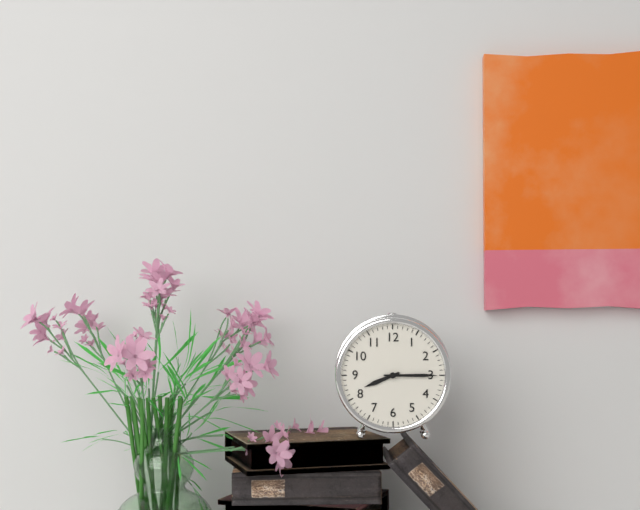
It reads **8:15**
